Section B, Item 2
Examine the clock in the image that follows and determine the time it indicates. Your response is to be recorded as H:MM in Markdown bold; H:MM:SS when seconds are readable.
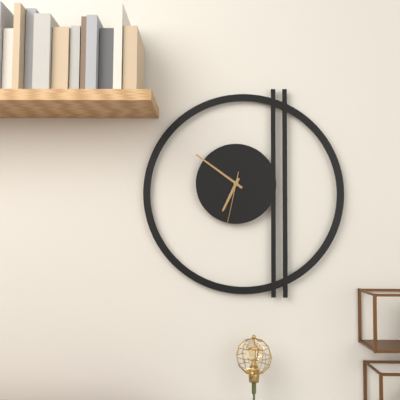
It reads **6:51:32**
